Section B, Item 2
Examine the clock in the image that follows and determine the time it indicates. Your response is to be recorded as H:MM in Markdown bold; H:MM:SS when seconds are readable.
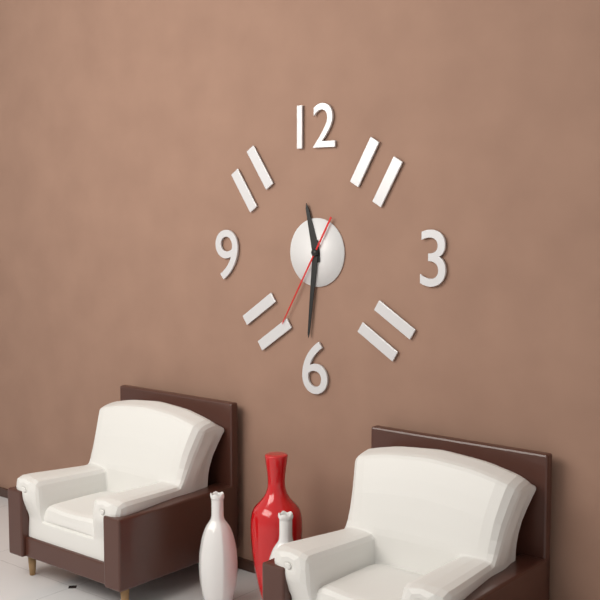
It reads **11:31:35**
